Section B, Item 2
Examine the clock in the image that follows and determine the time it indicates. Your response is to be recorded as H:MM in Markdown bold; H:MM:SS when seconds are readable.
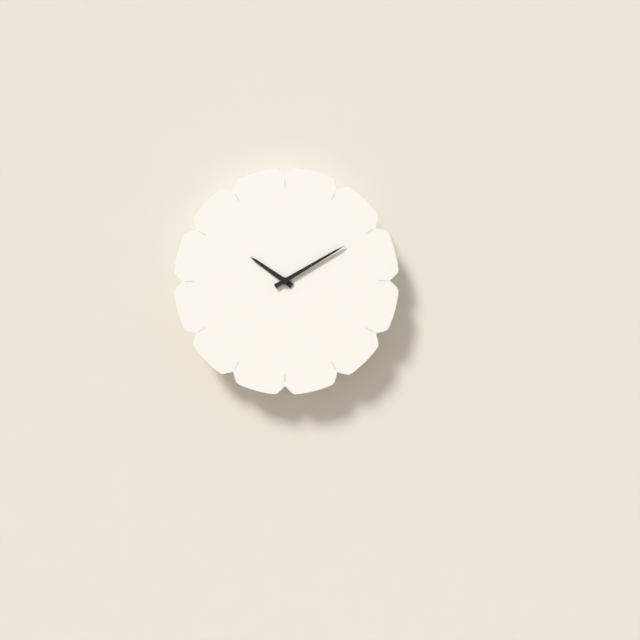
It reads **10:10**
